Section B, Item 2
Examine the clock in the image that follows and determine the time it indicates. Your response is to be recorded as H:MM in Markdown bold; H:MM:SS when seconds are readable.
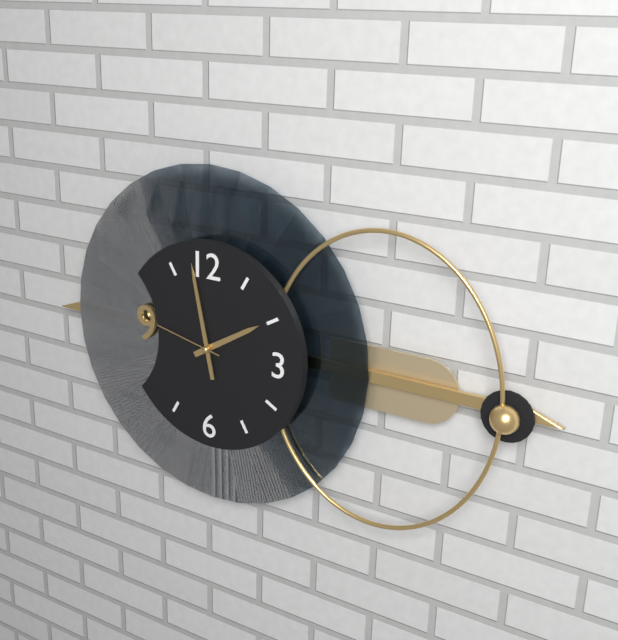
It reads **1:58:47**
